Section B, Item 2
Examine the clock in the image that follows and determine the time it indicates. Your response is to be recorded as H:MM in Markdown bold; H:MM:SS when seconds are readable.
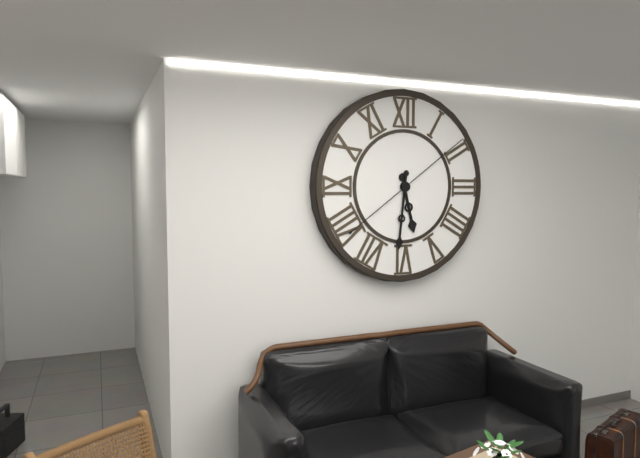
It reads **5:31:09**
